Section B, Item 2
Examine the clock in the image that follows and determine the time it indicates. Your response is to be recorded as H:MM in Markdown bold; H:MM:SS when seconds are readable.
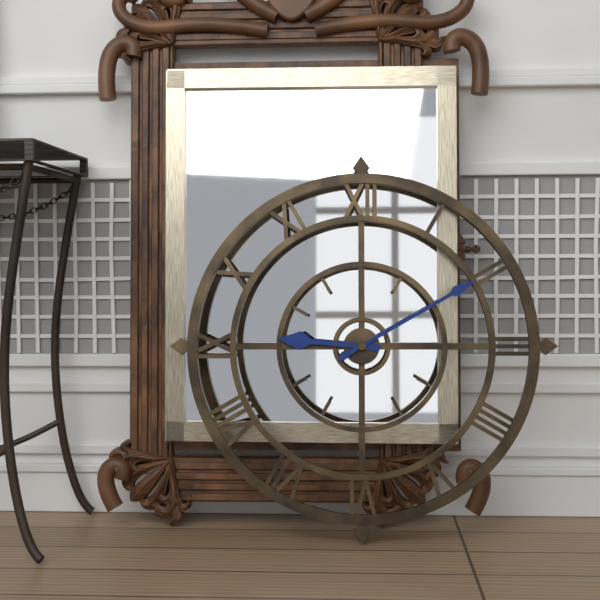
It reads **9:10**
